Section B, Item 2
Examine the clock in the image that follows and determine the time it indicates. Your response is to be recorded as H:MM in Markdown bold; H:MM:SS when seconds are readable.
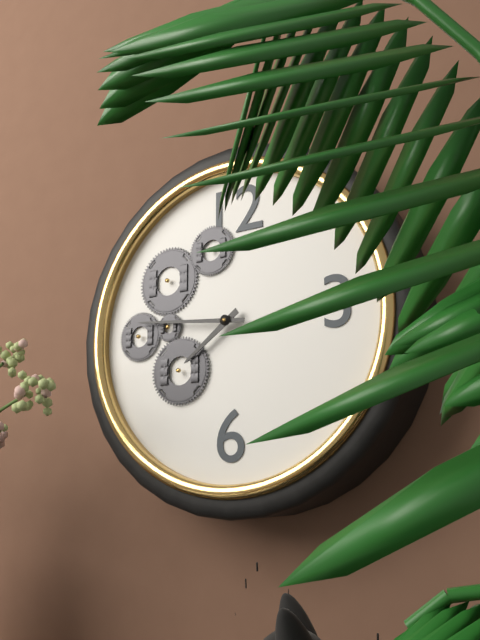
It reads **7:46**
